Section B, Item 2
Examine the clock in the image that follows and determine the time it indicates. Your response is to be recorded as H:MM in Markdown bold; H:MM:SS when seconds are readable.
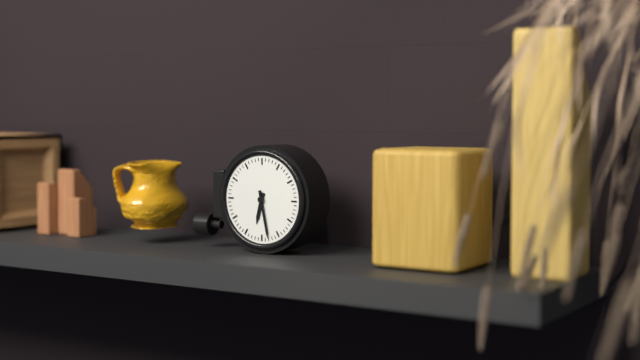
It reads **6:28**
